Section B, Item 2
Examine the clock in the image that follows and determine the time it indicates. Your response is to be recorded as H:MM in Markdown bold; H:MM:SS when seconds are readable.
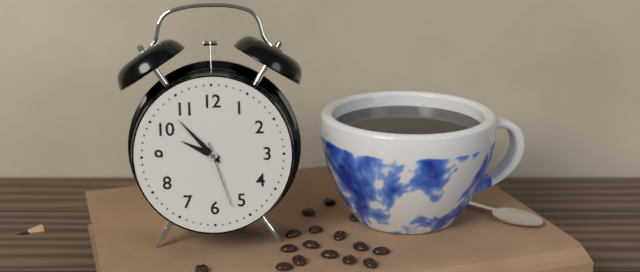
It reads **9:53:27**
